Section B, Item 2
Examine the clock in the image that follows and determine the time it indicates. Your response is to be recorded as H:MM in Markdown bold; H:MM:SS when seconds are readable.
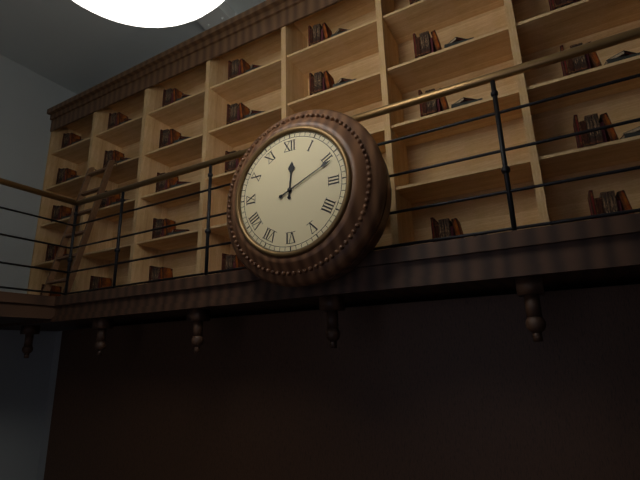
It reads **12:11**
